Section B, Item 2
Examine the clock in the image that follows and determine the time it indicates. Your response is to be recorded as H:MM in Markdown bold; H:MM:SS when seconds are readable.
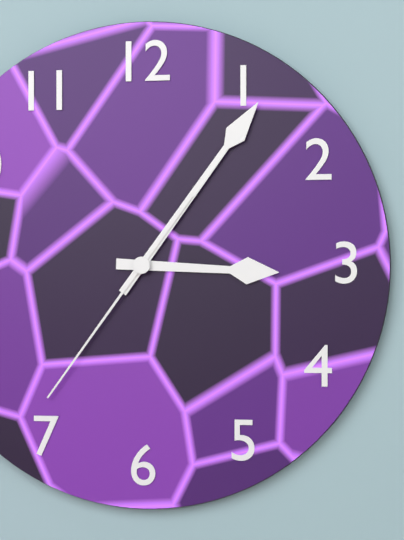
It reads **3:06:36**
